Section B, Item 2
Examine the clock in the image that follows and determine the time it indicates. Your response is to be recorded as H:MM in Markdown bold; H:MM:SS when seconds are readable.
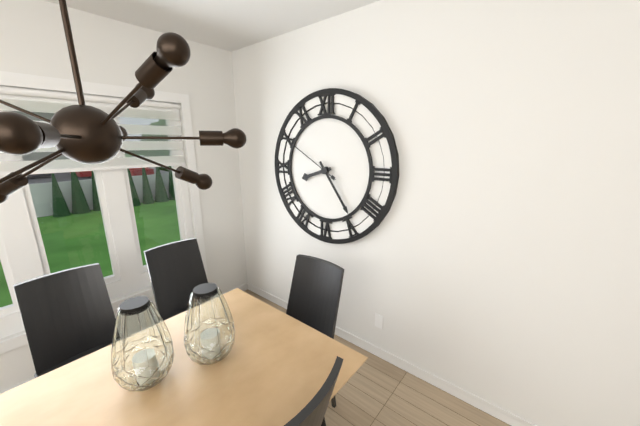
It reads **8:24:50**
